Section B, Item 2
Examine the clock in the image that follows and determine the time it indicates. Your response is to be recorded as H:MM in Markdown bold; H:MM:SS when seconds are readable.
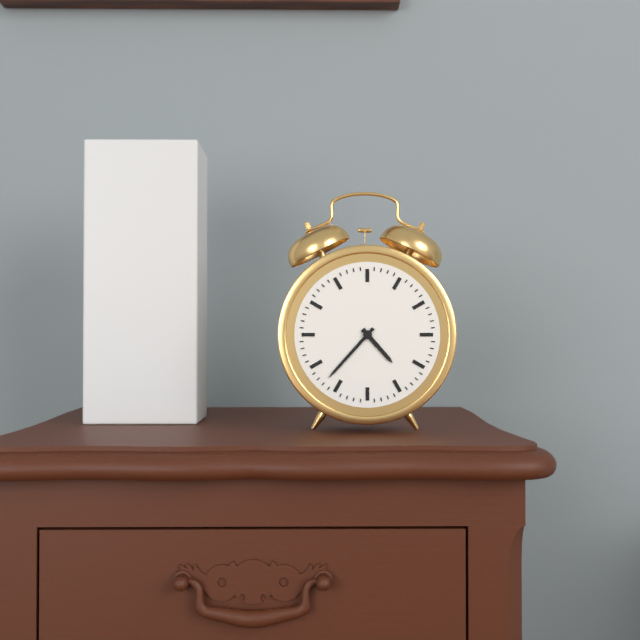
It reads **4:37**
